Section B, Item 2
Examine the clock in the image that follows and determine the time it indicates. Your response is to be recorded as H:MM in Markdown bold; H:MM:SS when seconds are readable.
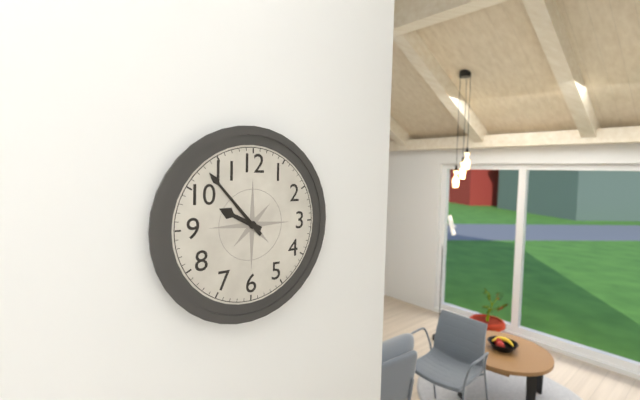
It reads **9:53**
